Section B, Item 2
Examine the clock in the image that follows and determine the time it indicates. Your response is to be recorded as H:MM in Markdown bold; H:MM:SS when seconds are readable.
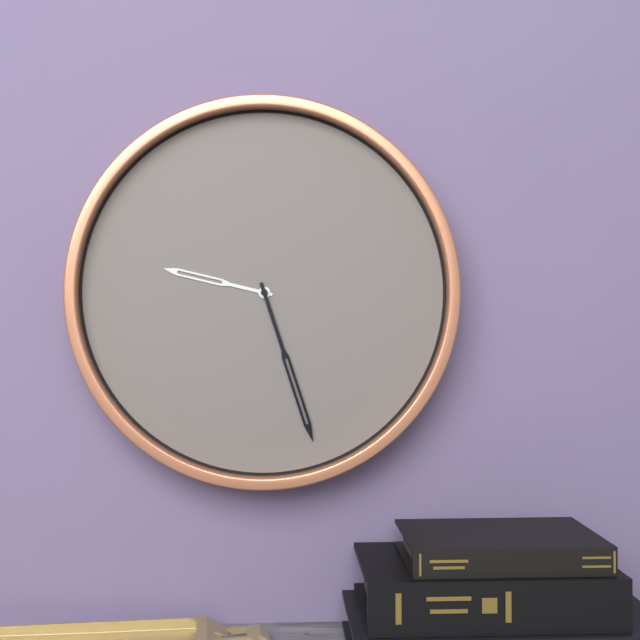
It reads **9:27**
